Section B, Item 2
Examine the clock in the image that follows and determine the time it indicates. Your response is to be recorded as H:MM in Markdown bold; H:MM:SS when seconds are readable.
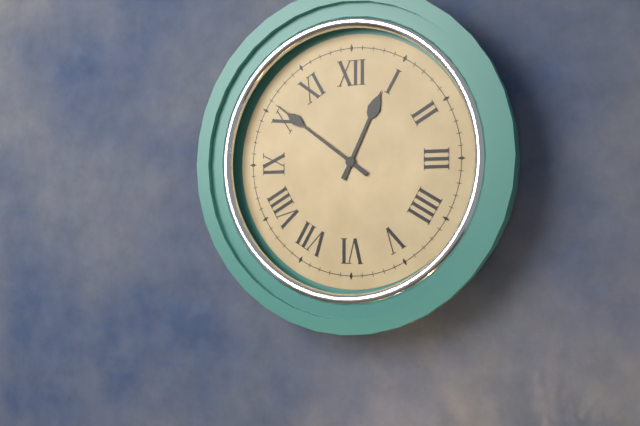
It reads **12:51**
